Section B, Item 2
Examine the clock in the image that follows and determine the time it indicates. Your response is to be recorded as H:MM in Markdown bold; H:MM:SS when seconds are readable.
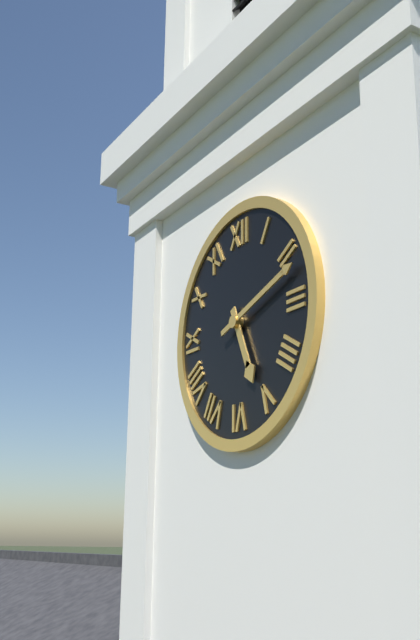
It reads **5:12**
